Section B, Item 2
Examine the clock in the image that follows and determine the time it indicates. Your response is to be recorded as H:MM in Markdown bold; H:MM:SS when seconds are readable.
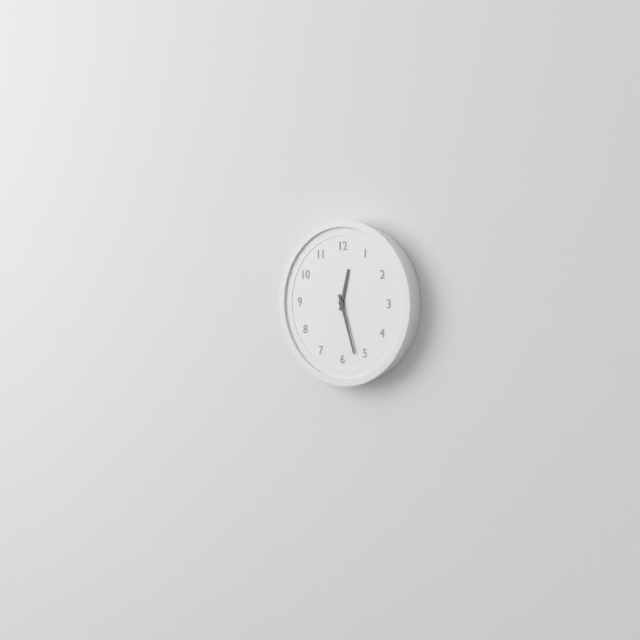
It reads **12:27**
